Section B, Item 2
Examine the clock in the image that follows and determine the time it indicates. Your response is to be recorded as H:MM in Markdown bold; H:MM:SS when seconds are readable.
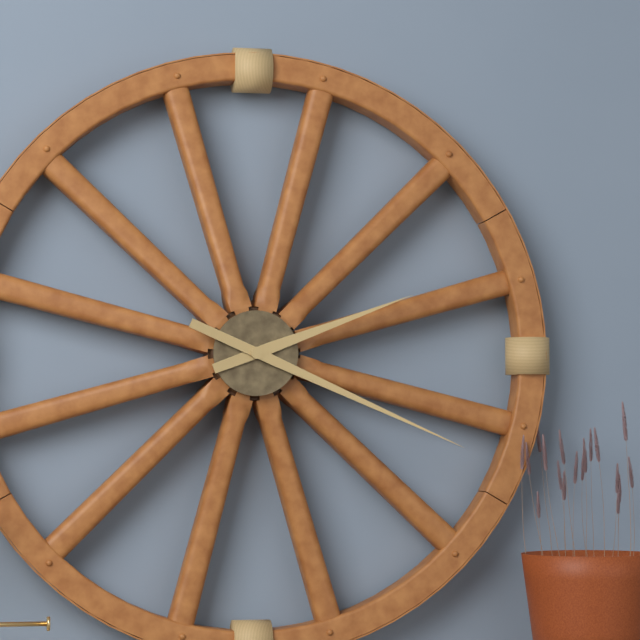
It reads **2:19**
